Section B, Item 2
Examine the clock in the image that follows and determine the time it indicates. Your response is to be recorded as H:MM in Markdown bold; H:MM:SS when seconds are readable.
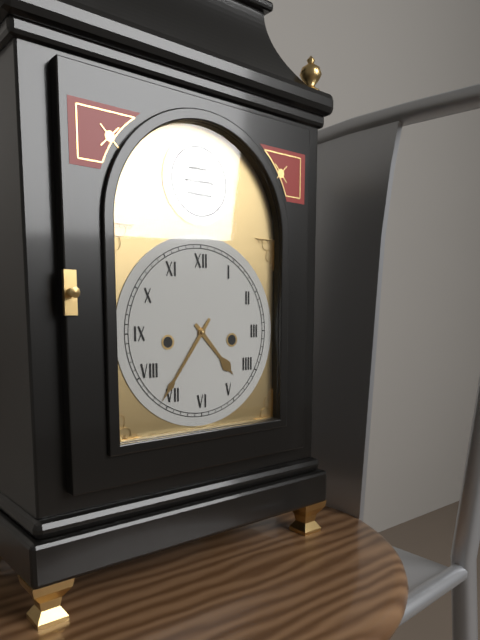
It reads **4:36**
